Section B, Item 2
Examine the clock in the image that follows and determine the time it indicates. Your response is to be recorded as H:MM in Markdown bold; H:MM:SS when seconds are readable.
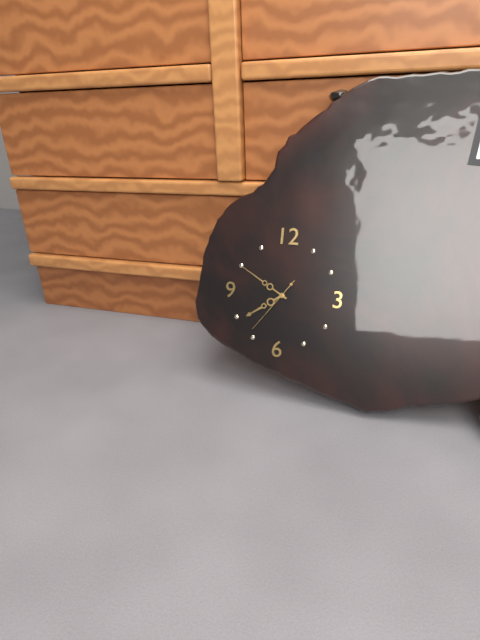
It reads **7:50:36**
